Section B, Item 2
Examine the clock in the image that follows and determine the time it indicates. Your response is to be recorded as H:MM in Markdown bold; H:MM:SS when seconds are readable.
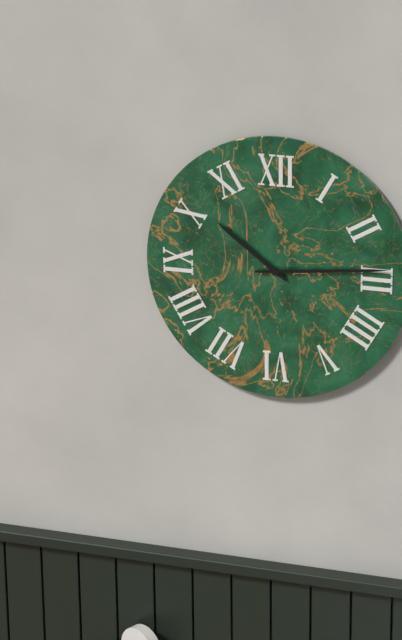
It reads **10:14**
